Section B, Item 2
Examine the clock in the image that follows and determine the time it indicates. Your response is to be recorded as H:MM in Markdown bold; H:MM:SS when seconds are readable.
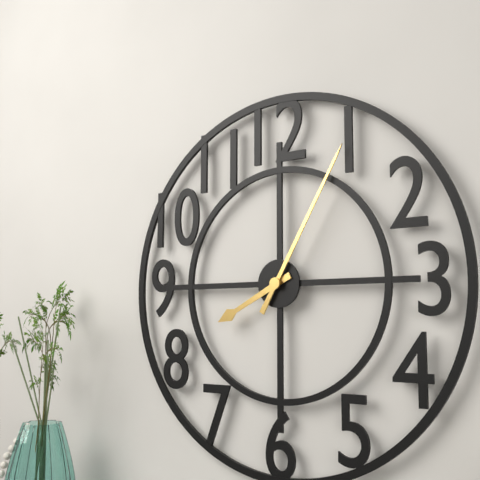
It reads **8:05**
